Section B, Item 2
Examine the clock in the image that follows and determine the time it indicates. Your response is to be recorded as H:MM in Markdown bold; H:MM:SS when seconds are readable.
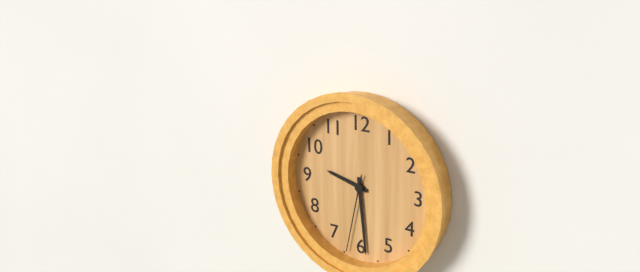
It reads **9:29:32**
